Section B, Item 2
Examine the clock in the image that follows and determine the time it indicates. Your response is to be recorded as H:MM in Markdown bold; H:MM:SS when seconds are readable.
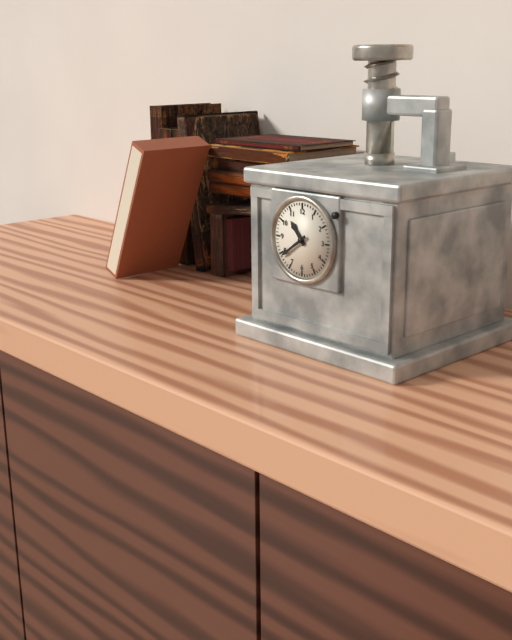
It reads **10:39**
